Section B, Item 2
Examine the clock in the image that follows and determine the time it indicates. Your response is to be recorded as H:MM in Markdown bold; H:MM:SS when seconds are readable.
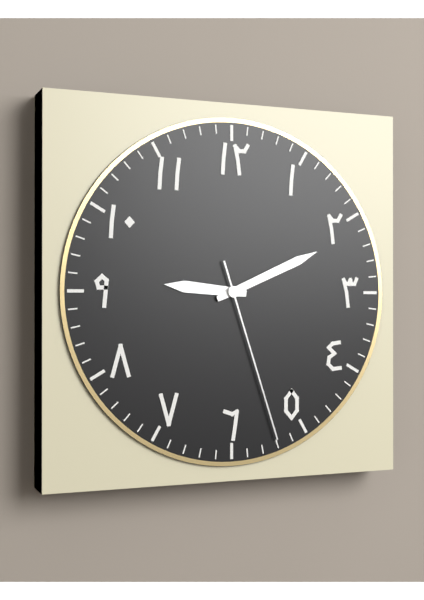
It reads **9:11:27**
